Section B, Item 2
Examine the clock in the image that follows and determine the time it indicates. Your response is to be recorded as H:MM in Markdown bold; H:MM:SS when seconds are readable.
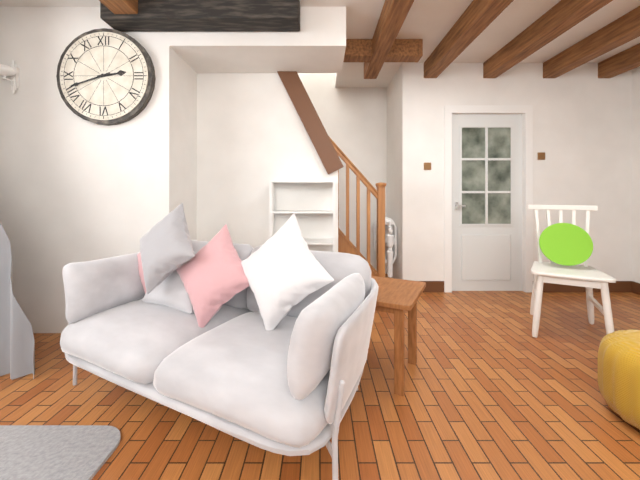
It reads **2:42**
